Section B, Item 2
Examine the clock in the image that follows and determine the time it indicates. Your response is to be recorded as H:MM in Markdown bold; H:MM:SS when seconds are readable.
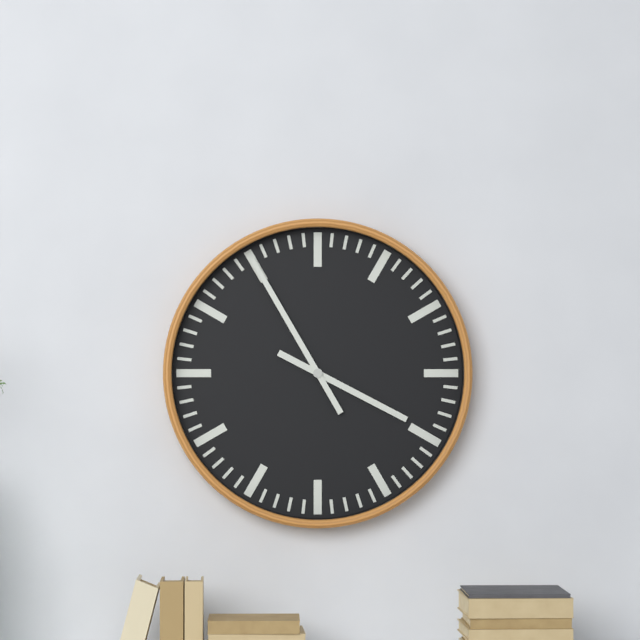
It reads **3:55**
